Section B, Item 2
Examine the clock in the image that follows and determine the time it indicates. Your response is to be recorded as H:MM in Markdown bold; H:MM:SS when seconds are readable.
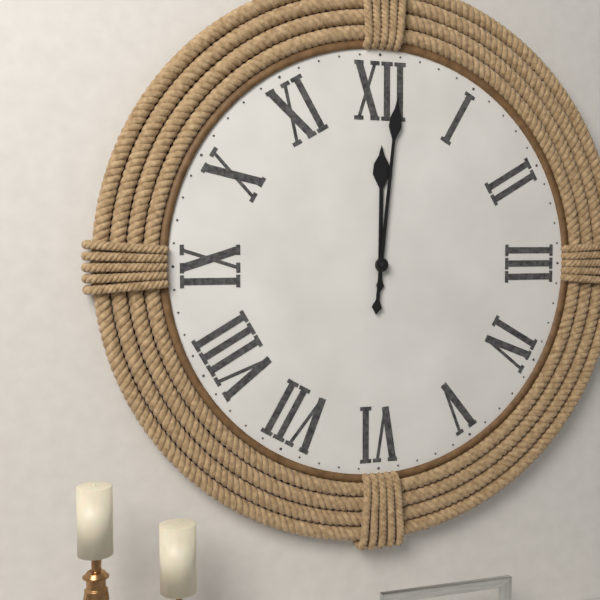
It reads **12:01**
